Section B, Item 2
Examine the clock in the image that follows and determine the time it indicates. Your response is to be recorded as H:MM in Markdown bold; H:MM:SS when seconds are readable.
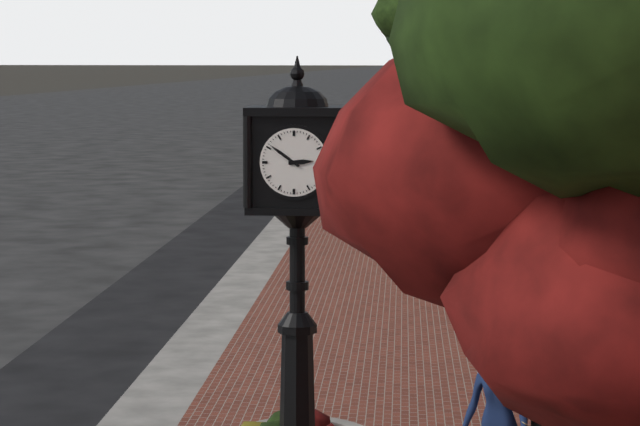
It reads **2:51**
